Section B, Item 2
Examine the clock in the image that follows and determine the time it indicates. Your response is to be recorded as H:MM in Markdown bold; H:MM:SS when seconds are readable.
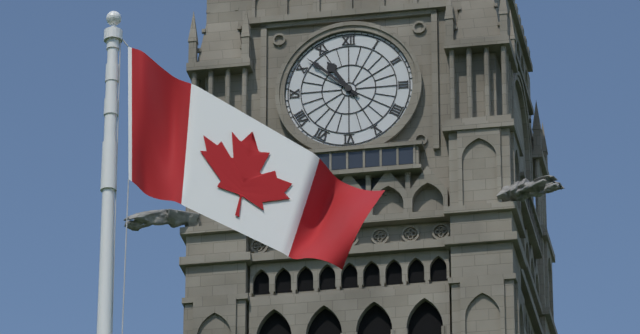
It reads **10:52**
